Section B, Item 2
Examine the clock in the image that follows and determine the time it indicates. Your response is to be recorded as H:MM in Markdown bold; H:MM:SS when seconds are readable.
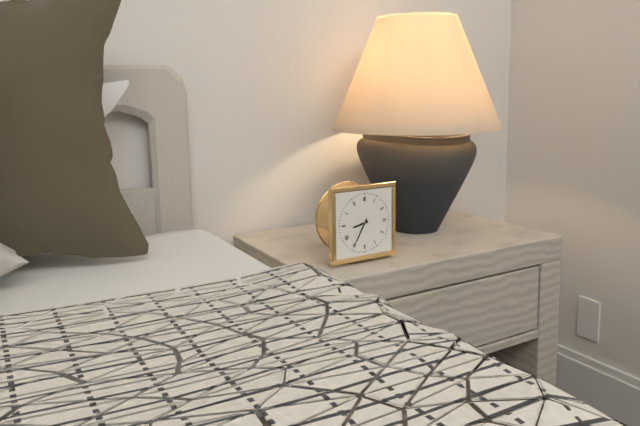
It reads **8:35**
